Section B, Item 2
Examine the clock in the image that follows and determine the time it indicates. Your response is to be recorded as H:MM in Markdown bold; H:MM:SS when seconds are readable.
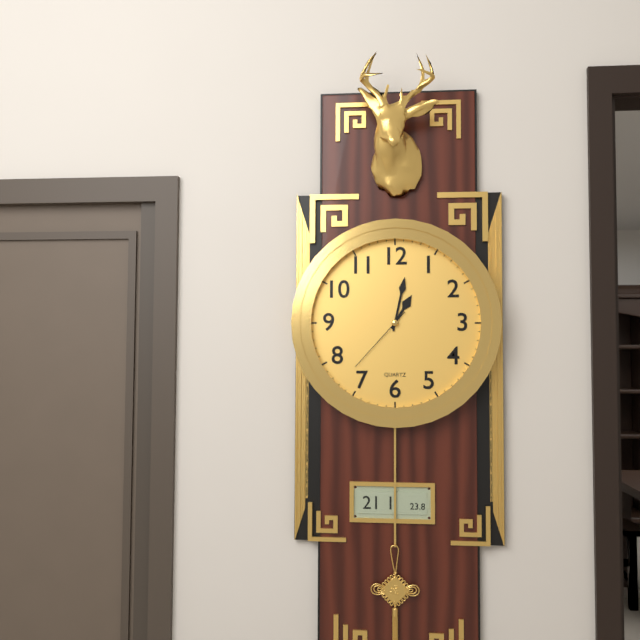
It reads **1:02:37**
